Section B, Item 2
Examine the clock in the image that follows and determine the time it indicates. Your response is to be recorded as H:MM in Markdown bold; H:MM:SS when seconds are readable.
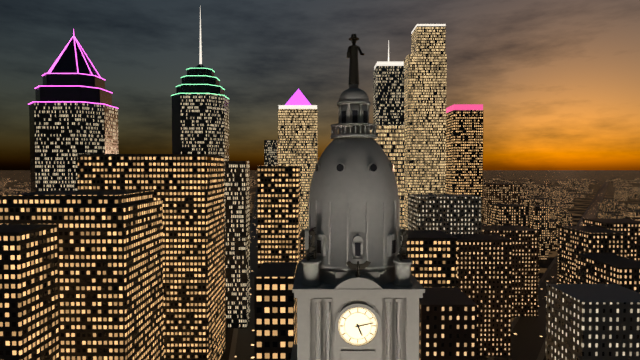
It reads **5:13**
